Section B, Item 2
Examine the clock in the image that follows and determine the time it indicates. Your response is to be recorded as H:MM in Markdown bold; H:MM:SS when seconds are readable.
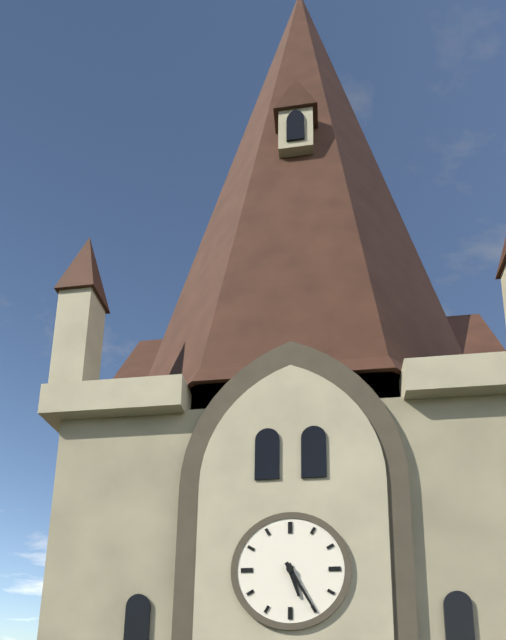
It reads **5:25**
